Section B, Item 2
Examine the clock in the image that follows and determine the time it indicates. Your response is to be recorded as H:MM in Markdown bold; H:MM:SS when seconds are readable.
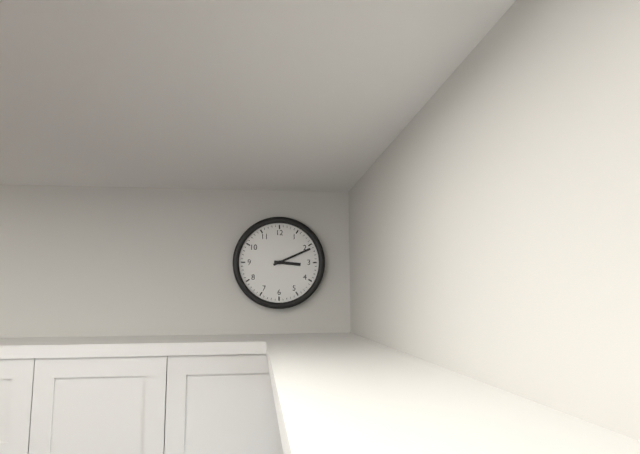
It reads **3:11**
